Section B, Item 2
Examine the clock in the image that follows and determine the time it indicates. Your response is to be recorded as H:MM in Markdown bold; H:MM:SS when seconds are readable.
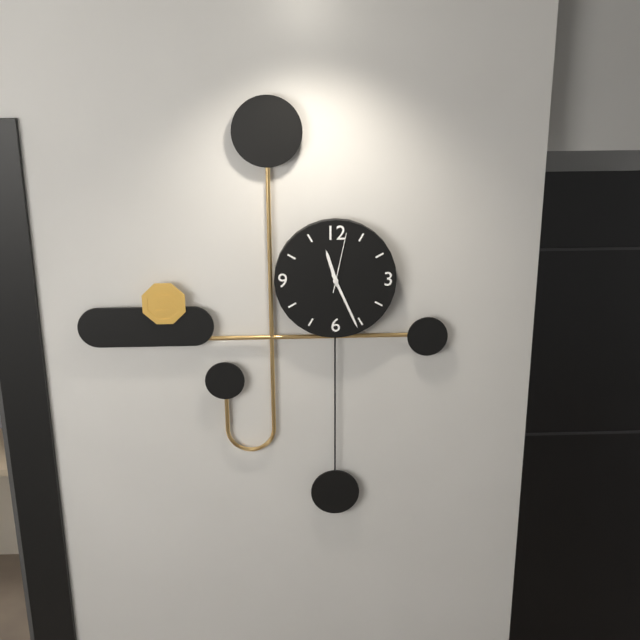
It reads **11:26:02**
